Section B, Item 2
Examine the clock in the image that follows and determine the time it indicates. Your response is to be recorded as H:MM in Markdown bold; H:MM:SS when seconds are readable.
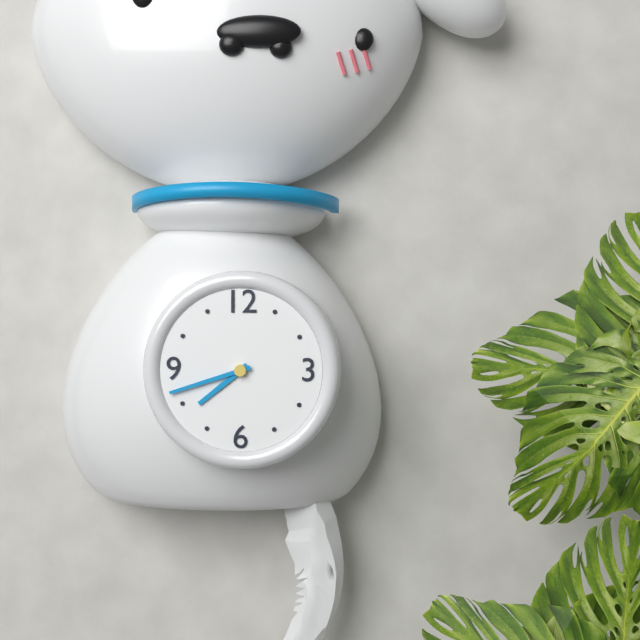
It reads **7:42**
